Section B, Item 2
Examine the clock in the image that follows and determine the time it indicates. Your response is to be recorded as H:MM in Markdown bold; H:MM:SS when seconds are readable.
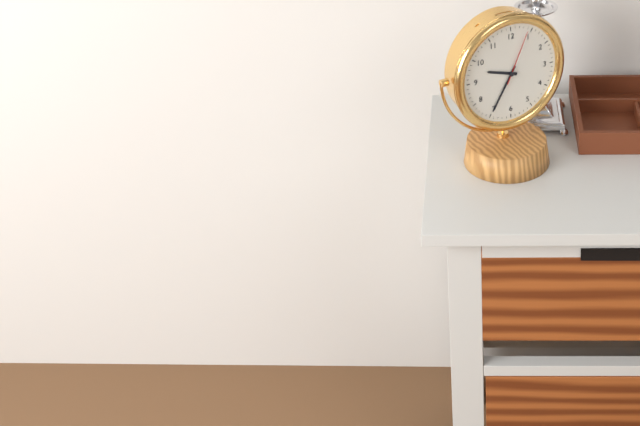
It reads **9:35:04**
